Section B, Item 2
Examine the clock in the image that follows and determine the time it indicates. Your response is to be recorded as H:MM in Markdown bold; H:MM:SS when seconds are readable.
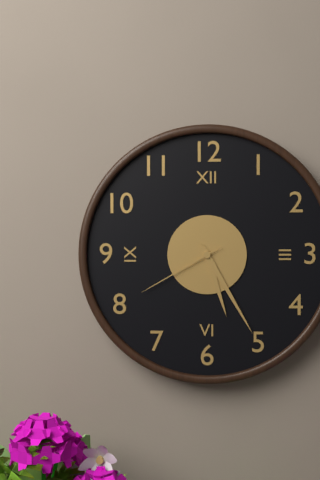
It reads **5:25:40**
